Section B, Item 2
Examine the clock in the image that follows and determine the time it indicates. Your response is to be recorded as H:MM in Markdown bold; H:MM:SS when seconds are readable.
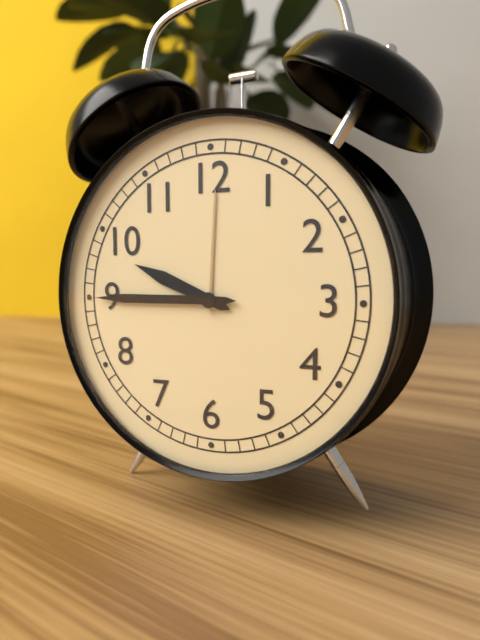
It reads **9:45**
